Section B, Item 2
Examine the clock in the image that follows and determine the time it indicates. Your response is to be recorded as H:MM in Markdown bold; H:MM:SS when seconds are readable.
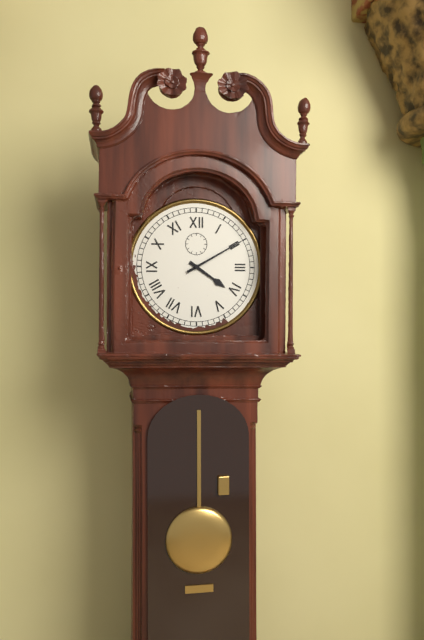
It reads **4:10**
